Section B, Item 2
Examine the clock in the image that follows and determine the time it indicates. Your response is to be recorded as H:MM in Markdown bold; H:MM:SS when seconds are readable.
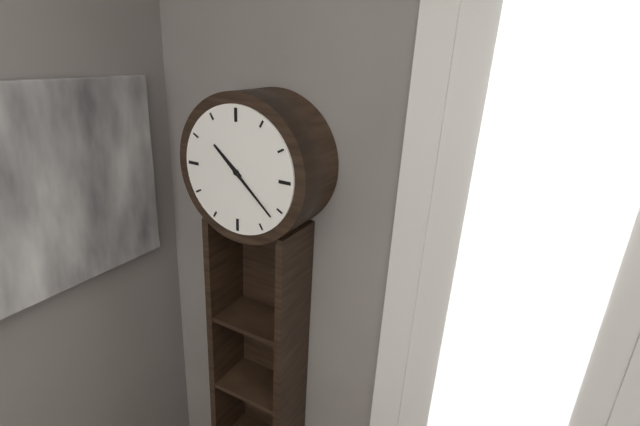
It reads **10:22**
